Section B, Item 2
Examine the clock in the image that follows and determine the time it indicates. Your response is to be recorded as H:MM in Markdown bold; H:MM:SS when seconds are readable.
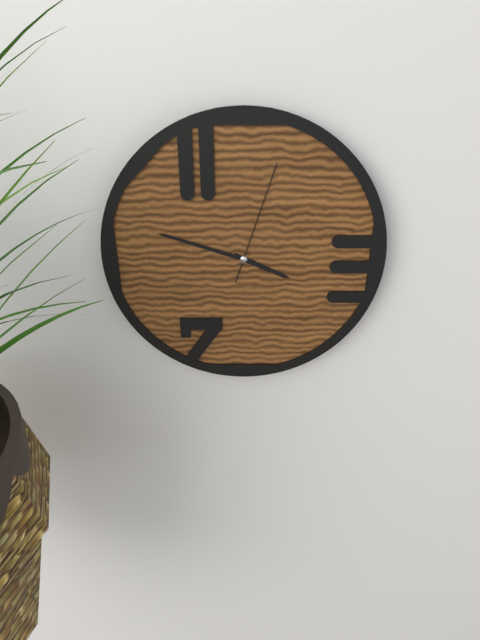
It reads **3:48:03**
